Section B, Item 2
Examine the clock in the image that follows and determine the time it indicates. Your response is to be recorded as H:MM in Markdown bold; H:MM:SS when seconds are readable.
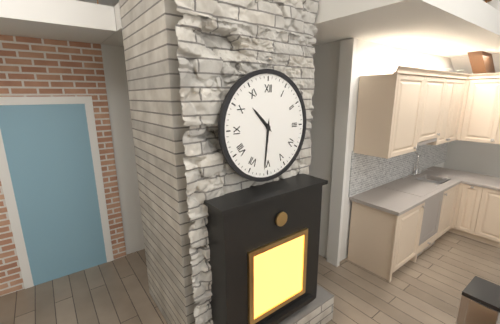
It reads **10:31**
